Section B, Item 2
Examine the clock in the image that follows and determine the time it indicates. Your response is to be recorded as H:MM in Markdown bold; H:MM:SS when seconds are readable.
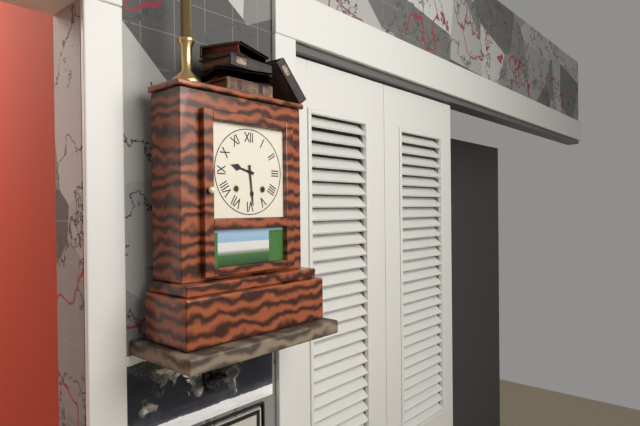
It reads **9:29**
